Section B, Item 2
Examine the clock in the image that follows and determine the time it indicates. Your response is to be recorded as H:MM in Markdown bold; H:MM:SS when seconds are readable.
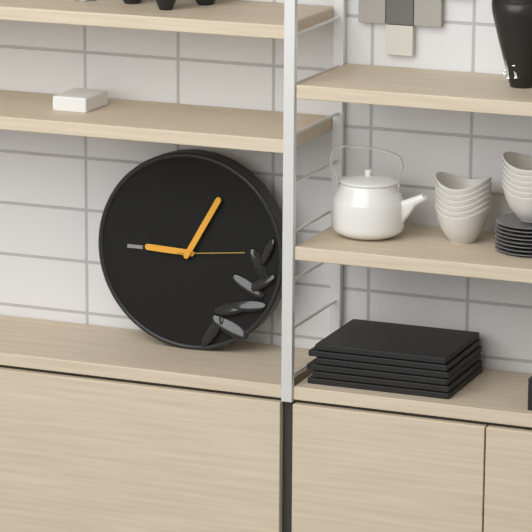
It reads **9:05:14**
